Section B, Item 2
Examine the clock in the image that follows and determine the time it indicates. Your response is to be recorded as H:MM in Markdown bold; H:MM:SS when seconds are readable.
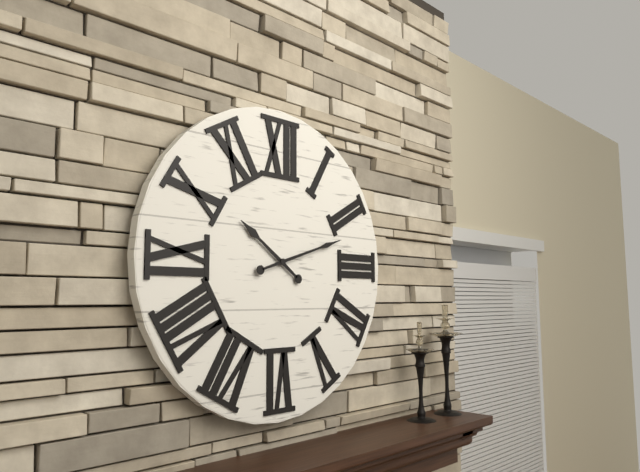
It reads **10:12**
